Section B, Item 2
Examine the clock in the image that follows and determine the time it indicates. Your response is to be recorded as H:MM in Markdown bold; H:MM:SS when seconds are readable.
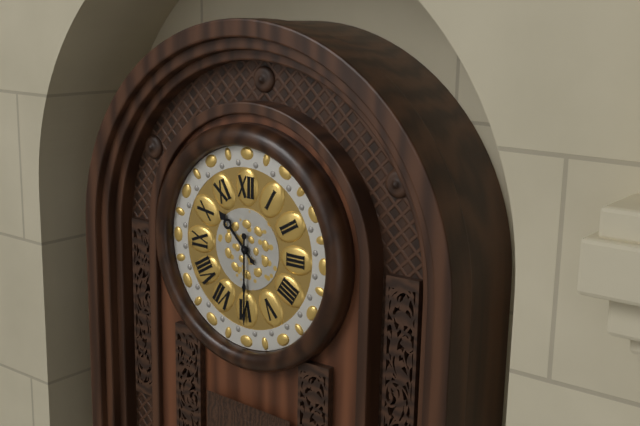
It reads **10:30**
